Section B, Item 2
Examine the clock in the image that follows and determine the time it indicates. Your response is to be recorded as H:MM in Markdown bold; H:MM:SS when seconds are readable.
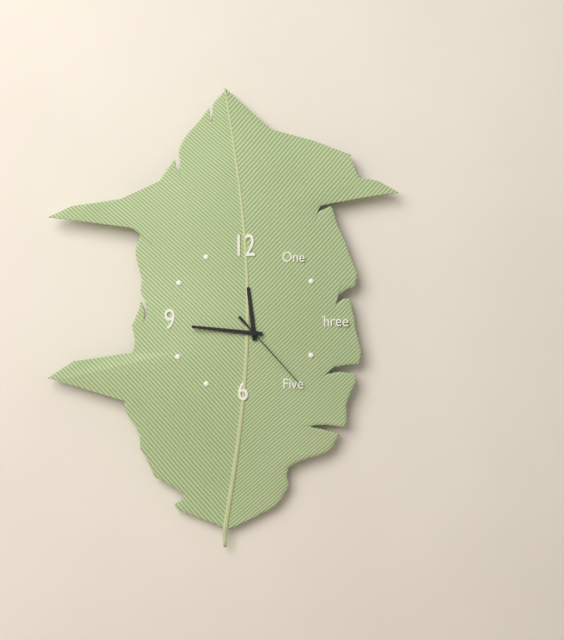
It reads **11:46:23**
